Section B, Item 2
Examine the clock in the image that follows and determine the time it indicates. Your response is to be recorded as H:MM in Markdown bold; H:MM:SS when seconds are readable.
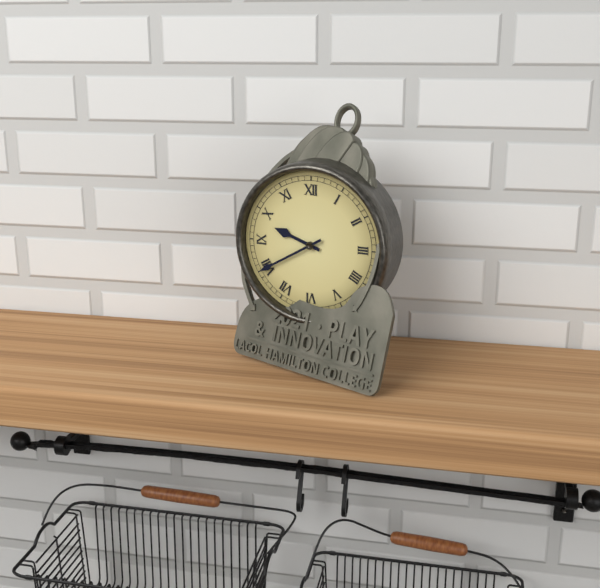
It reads **9:40**
